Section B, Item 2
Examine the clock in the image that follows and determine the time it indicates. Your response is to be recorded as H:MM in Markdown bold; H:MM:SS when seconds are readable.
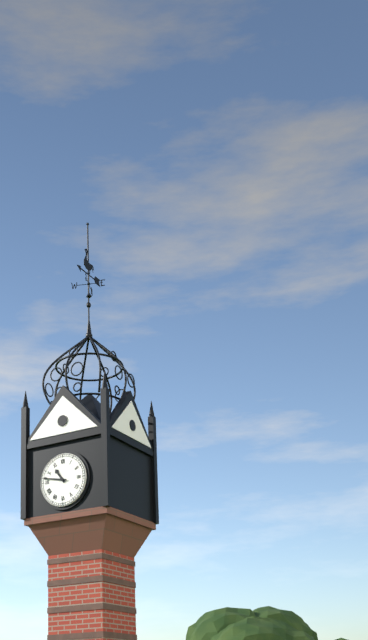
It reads **10:47**
